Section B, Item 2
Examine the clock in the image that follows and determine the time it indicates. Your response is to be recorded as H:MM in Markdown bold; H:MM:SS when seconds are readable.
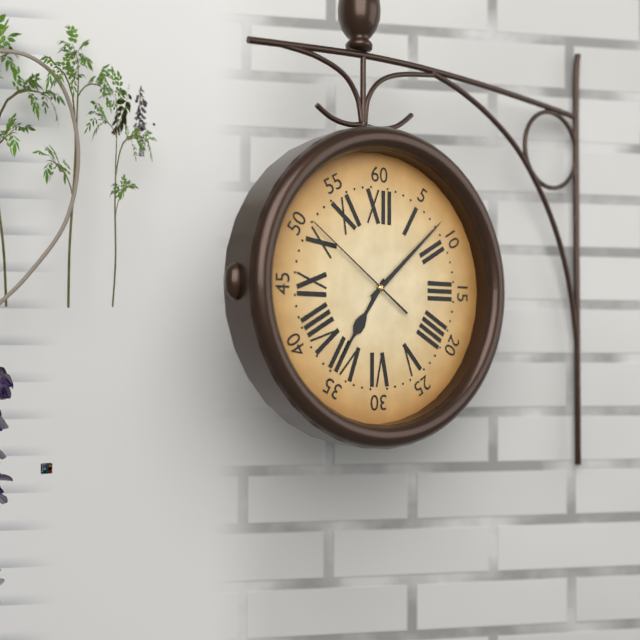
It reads **7:08:51**
